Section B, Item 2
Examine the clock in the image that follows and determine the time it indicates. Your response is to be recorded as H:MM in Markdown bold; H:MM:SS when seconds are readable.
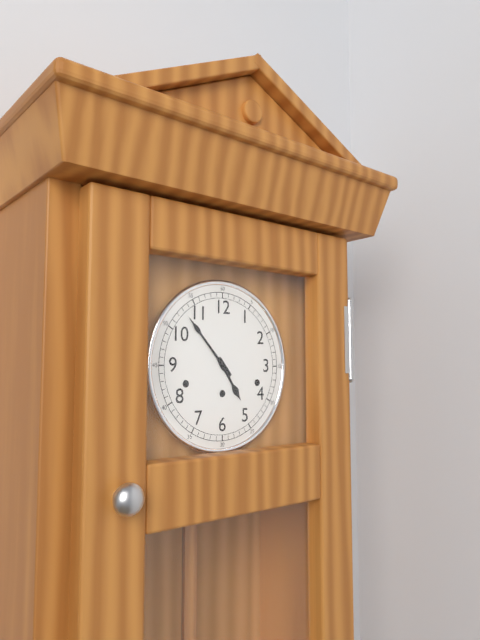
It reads **4:53**
